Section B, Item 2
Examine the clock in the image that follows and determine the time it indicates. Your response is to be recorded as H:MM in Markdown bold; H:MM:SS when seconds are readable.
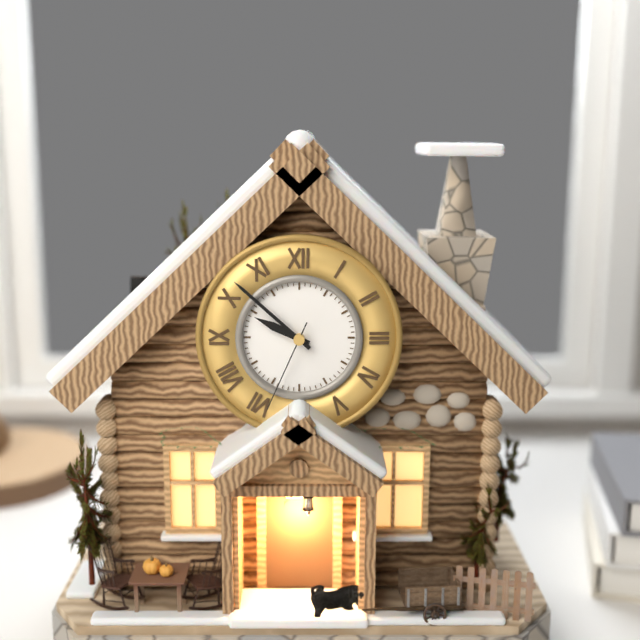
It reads **9:52:34**
